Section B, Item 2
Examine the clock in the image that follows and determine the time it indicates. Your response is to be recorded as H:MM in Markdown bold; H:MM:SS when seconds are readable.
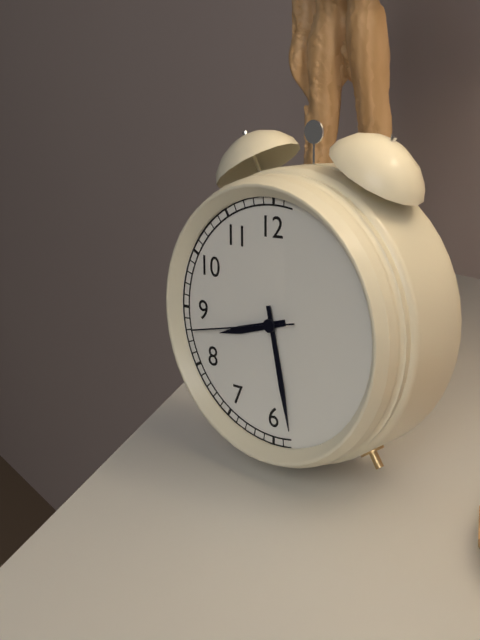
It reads **8:28:43**
